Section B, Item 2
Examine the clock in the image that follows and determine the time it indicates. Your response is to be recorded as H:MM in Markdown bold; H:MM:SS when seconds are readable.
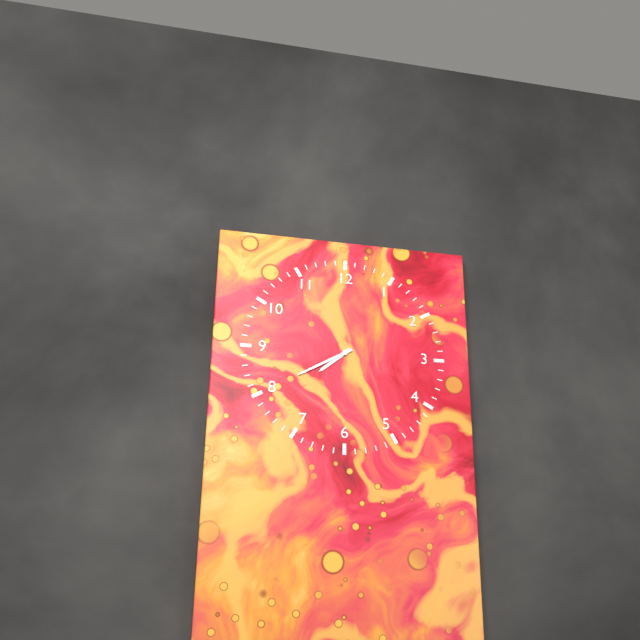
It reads **7:40**
